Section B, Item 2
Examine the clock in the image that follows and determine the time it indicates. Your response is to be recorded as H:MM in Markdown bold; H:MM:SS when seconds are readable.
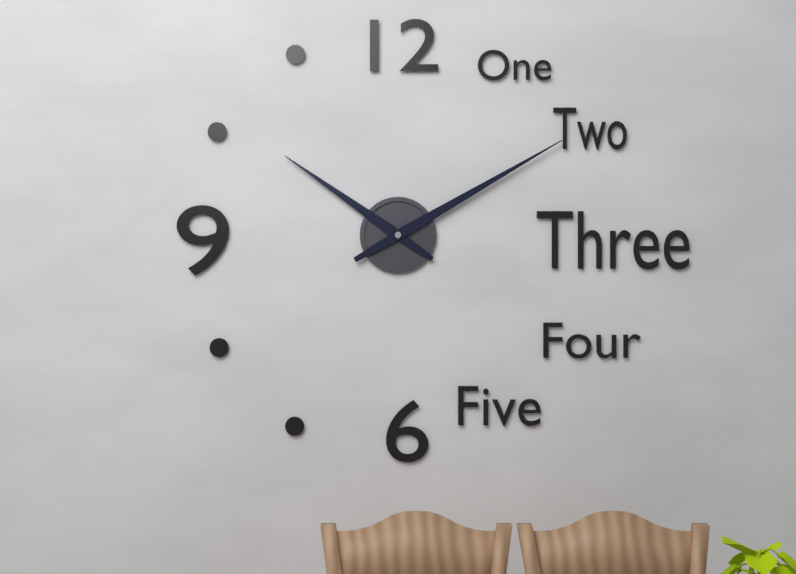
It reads **10:10**
